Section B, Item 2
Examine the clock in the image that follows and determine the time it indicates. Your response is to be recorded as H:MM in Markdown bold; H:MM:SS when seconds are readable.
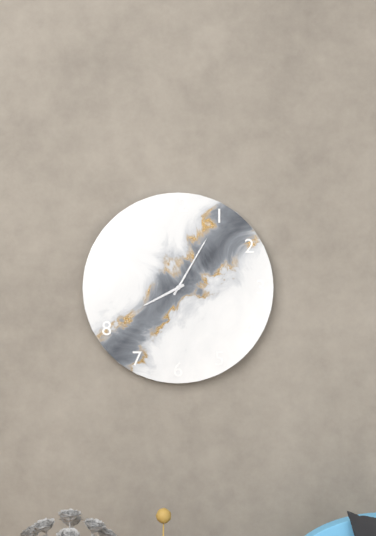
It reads **8:05**
